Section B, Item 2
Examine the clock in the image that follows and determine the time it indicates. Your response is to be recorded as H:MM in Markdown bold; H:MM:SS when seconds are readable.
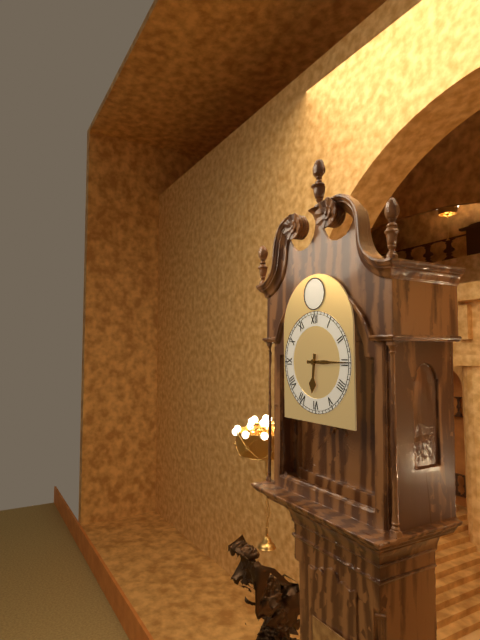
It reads **6:15**
